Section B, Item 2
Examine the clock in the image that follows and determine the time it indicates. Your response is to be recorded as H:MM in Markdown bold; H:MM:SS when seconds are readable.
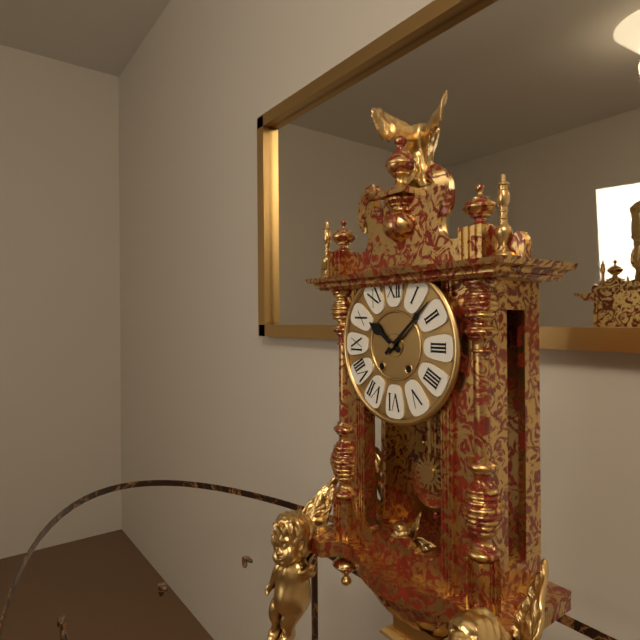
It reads **10:08**
